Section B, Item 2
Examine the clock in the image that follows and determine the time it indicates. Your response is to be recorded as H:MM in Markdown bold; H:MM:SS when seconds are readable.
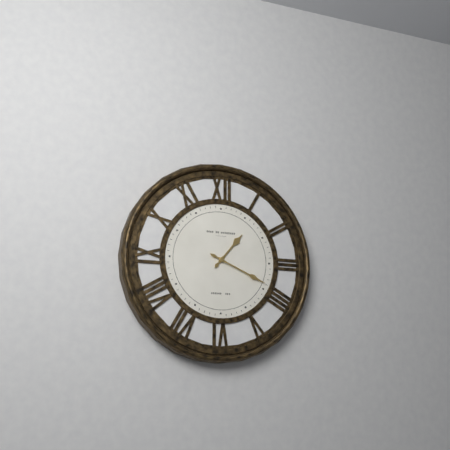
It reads **1:19**
